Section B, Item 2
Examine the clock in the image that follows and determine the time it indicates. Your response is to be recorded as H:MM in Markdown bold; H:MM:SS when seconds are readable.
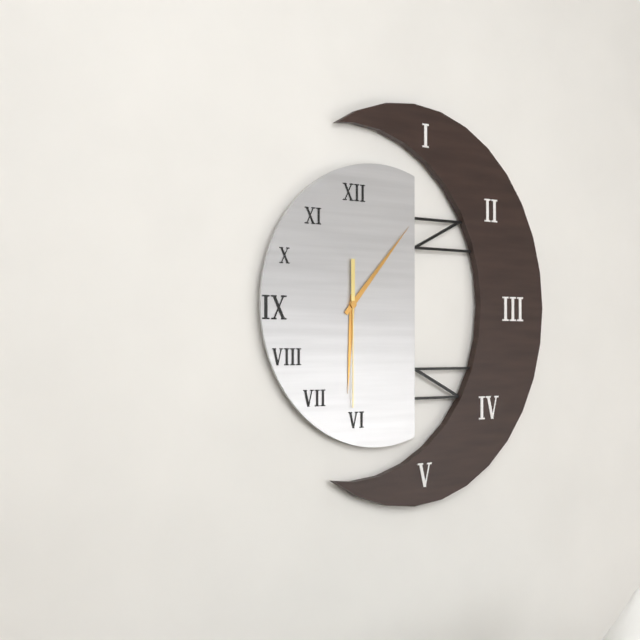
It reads **6:07:30**
